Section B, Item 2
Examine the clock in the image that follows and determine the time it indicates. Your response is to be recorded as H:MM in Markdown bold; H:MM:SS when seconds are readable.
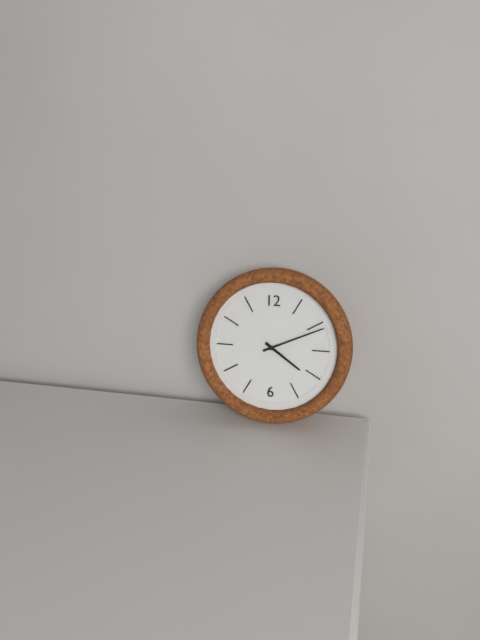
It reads **4:11**
